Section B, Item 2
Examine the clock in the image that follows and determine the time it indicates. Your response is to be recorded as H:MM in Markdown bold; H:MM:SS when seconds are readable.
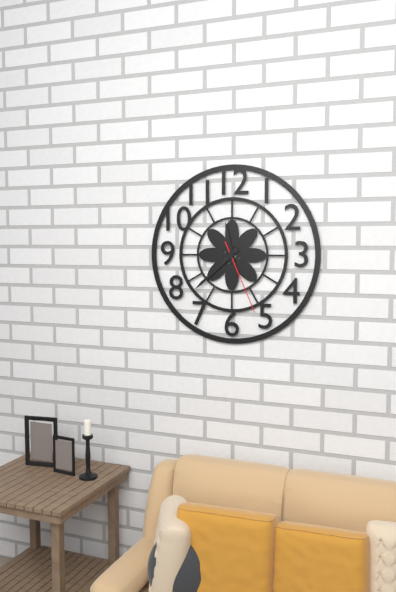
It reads **11:38:26**
